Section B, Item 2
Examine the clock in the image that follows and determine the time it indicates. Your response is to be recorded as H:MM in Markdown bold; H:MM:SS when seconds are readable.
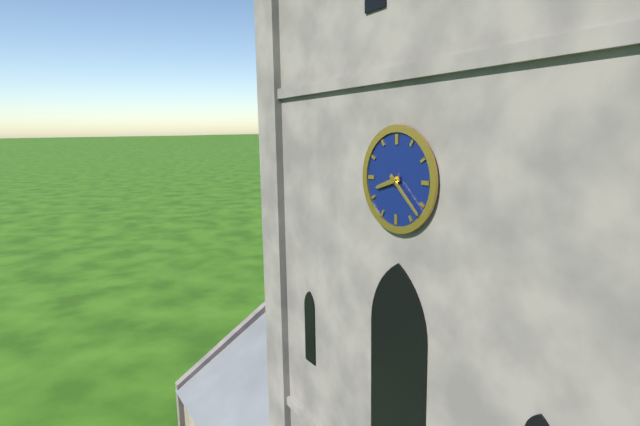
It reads **8:22**
